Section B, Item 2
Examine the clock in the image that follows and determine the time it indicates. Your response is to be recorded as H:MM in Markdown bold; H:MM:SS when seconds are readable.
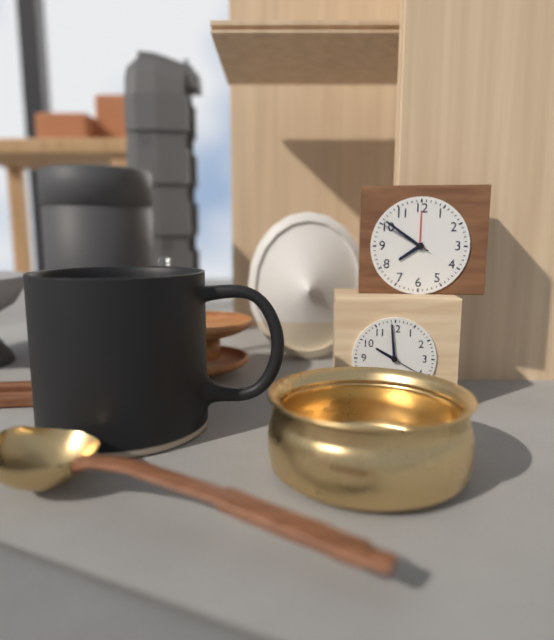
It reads **7:51:50**
